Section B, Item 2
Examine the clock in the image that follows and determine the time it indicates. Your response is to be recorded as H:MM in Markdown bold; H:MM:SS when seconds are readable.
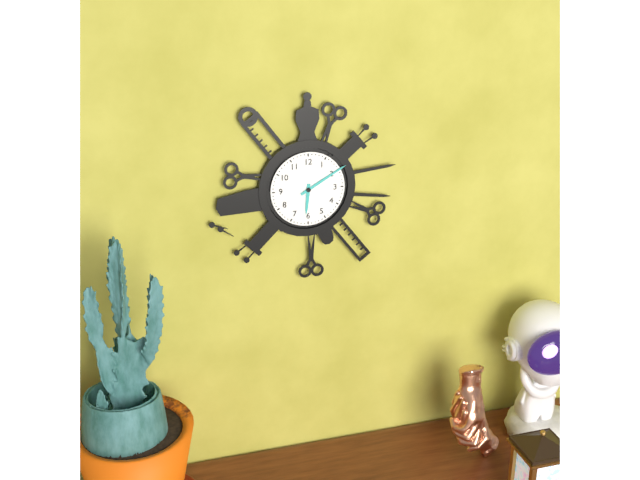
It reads **6:10**
